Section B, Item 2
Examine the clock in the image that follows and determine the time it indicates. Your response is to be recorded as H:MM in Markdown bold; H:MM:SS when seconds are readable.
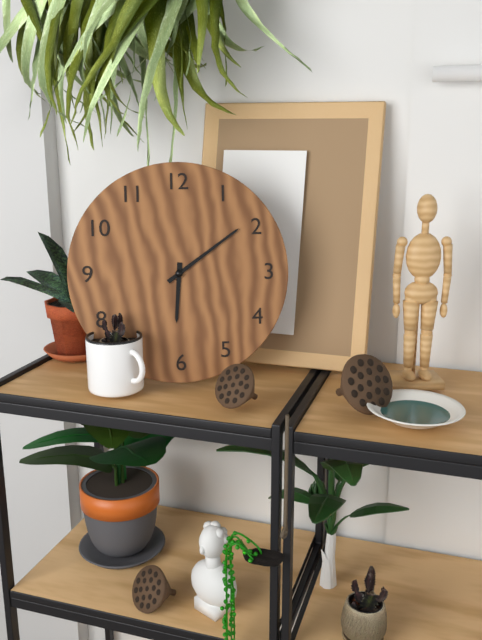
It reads **6:09**
